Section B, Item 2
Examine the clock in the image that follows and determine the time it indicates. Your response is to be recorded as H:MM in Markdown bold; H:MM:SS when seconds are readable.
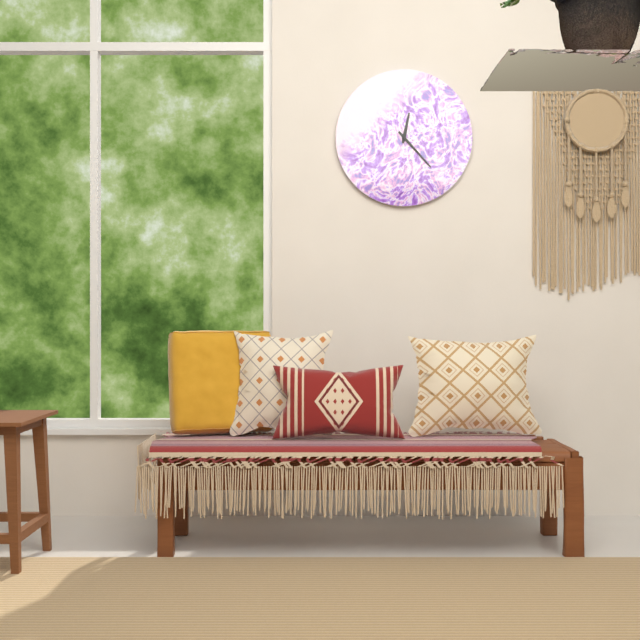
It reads **12:23**
